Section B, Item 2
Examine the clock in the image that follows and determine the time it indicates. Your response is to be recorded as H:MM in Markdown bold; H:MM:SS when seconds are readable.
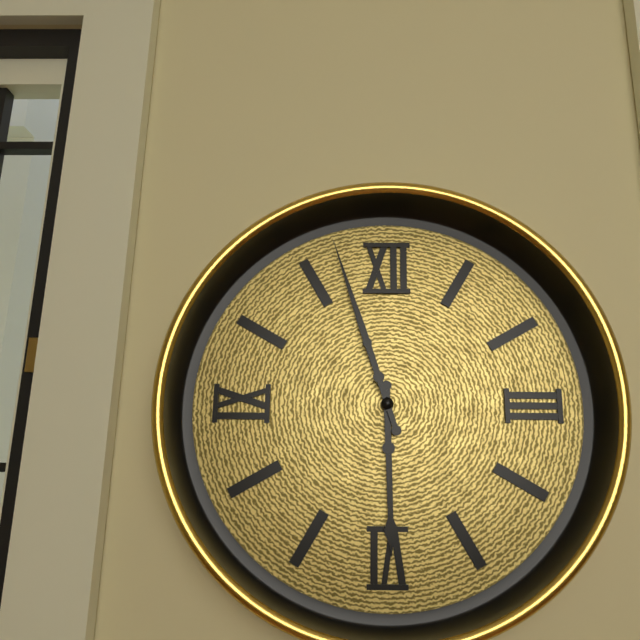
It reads **5:57**
